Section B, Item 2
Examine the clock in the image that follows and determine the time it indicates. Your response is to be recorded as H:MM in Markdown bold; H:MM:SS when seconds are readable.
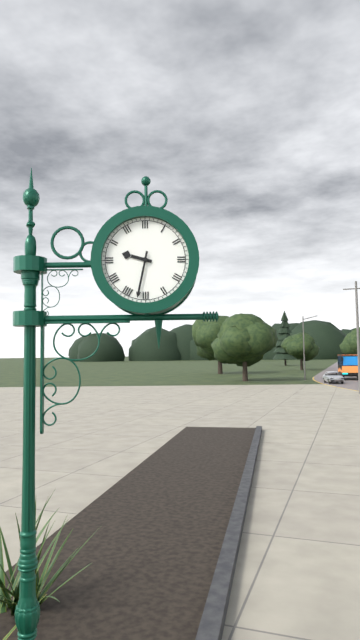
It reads **9:32**
